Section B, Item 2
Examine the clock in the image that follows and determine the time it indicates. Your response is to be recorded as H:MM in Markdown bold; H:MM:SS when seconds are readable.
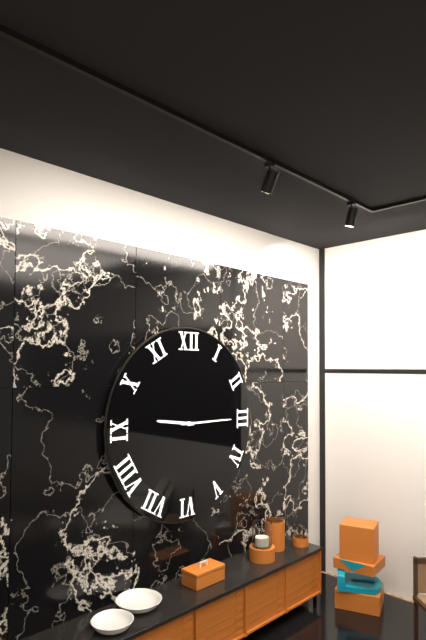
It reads **9:15**
